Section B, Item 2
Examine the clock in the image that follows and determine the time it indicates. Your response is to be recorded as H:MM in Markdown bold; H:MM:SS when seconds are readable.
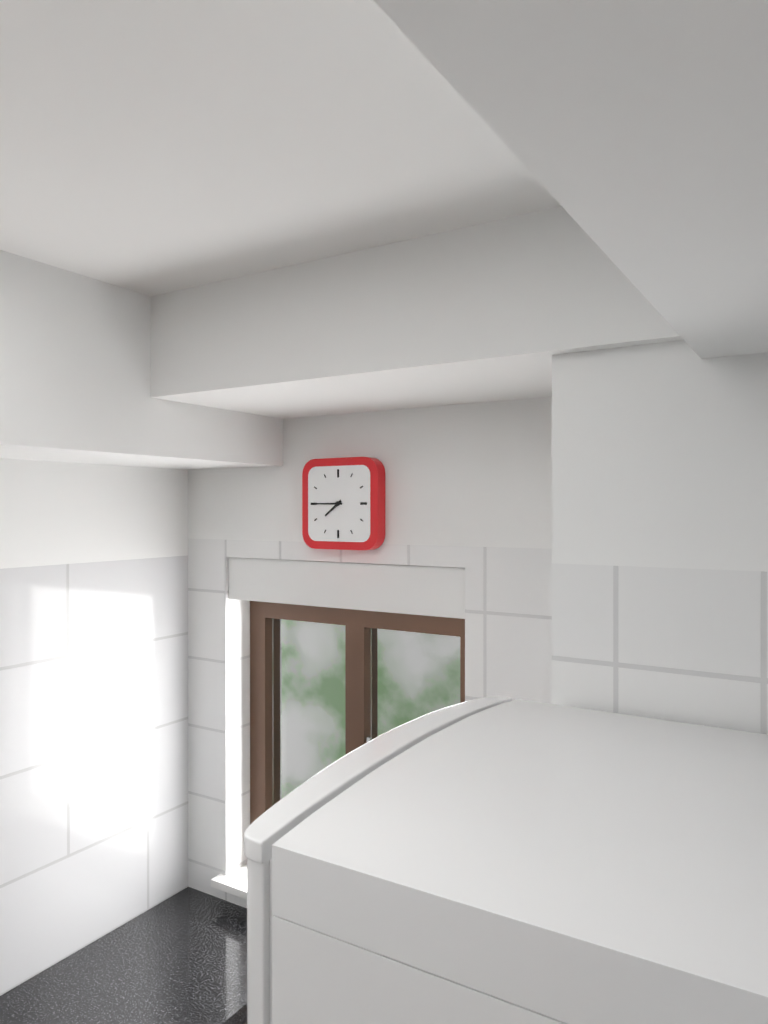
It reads **7:45**
